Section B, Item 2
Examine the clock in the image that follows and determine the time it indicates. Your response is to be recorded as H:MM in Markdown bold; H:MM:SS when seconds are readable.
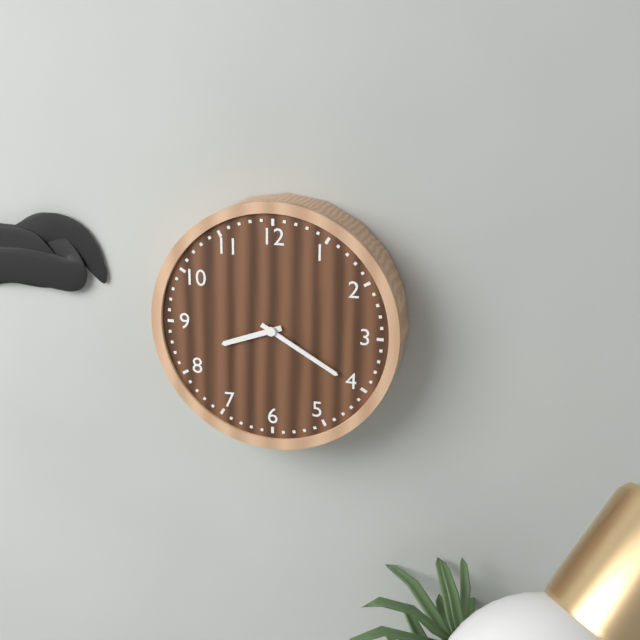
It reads **8:20**
